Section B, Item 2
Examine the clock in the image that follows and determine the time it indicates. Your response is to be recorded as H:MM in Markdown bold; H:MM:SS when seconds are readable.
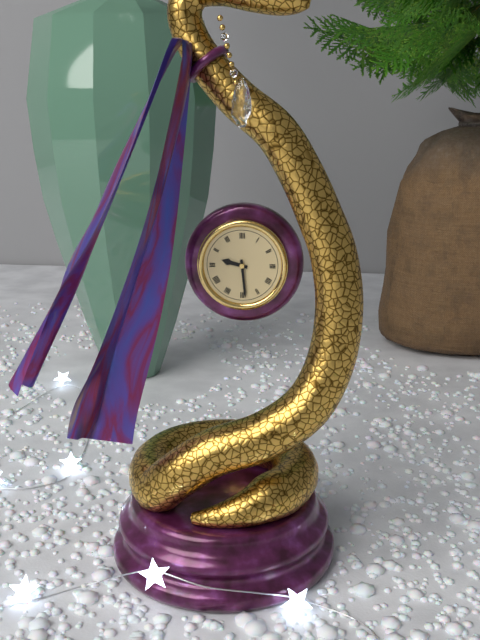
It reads **9:29**
